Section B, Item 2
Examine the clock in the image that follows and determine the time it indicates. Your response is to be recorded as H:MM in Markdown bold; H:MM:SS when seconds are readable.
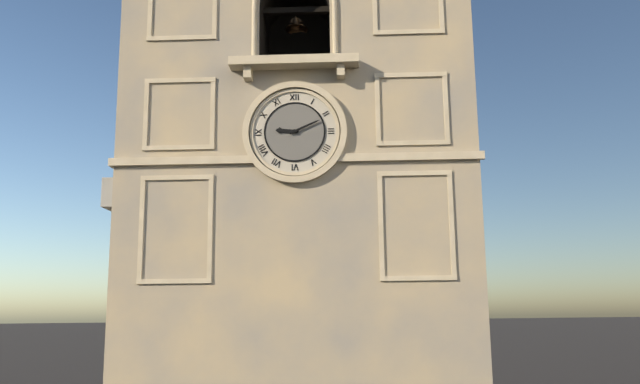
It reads **9:11**
